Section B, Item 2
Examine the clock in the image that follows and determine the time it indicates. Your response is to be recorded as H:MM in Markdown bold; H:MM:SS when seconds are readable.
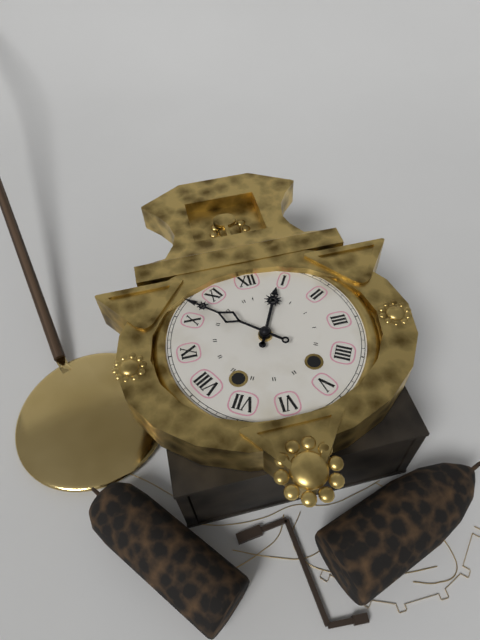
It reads **12:52**
